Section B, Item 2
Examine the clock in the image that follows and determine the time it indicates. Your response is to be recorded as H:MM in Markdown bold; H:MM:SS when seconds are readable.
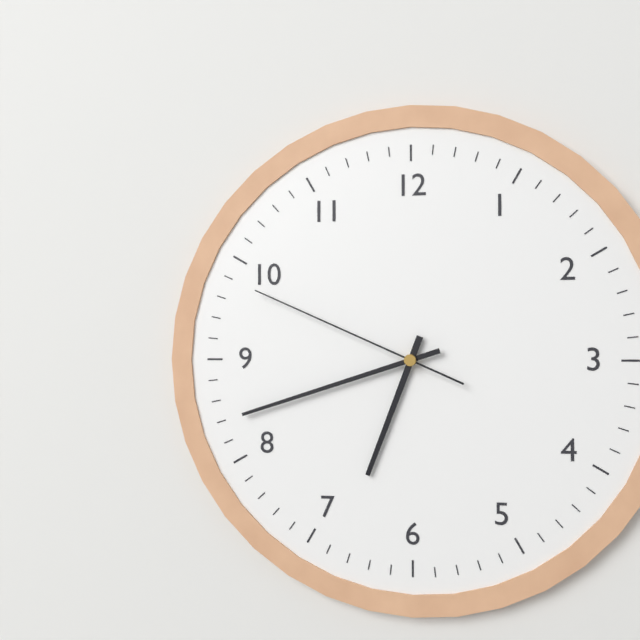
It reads **6:42:49**
